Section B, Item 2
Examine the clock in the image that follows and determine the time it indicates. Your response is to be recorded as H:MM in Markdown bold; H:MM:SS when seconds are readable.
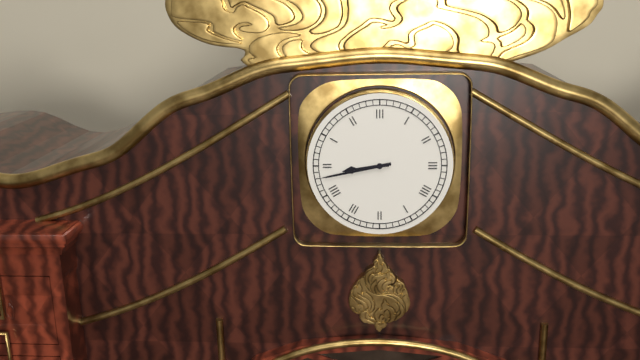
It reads **8:43**
